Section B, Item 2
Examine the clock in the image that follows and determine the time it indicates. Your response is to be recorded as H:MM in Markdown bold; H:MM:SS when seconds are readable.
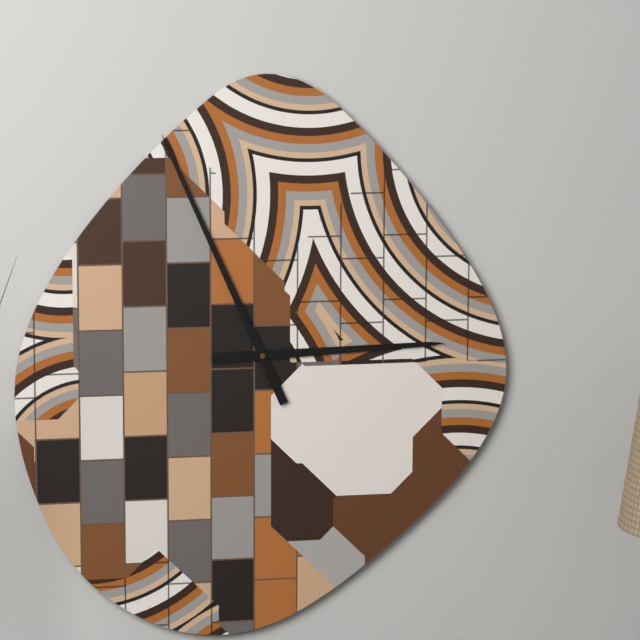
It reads **2:56**
